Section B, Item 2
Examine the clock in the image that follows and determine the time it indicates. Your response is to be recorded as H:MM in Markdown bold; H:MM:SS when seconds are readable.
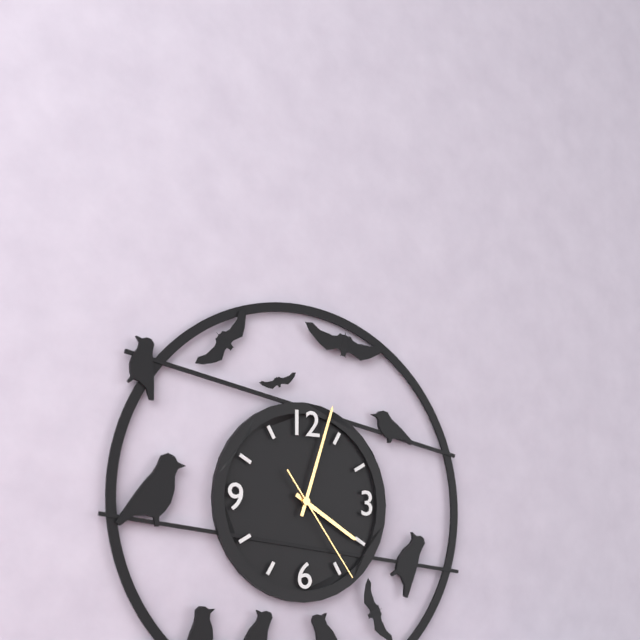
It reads **4:03:24**
